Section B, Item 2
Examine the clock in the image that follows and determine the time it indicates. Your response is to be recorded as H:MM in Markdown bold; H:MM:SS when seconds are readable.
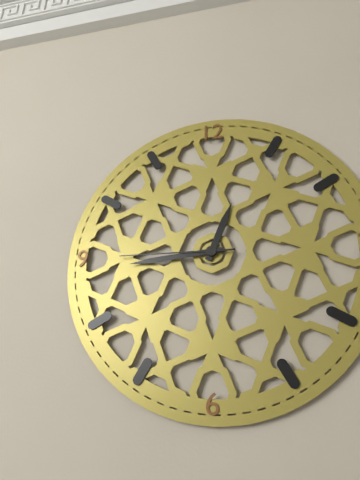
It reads **12:44:45**
